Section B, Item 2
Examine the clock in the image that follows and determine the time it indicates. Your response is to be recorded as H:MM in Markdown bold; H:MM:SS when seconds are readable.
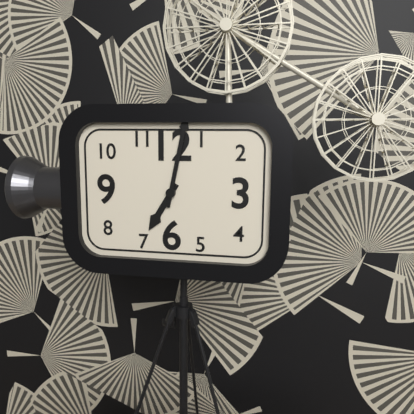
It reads **7:02**
